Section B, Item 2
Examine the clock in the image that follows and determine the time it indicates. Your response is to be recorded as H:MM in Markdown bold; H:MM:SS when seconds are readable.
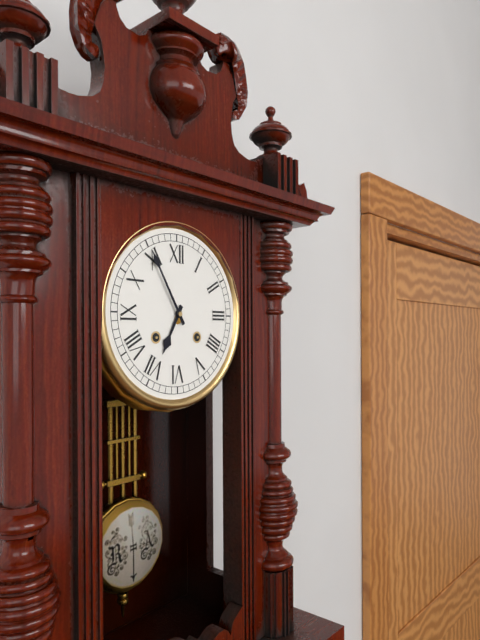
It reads **6:55**
